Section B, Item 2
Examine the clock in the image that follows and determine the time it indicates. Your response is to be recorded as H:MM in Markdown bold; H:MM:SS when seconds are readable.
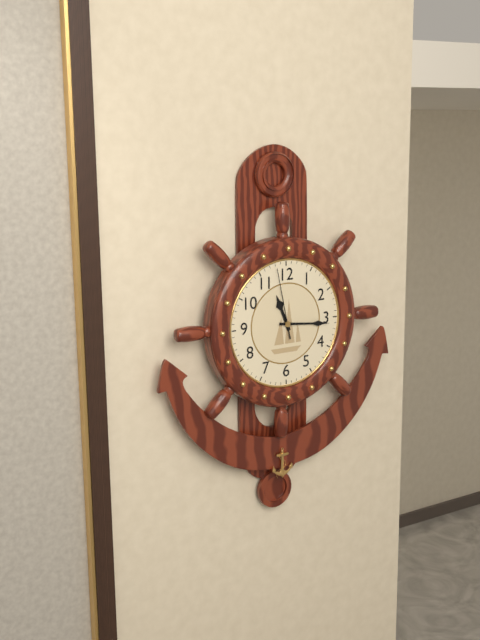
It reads **11:16:58**
